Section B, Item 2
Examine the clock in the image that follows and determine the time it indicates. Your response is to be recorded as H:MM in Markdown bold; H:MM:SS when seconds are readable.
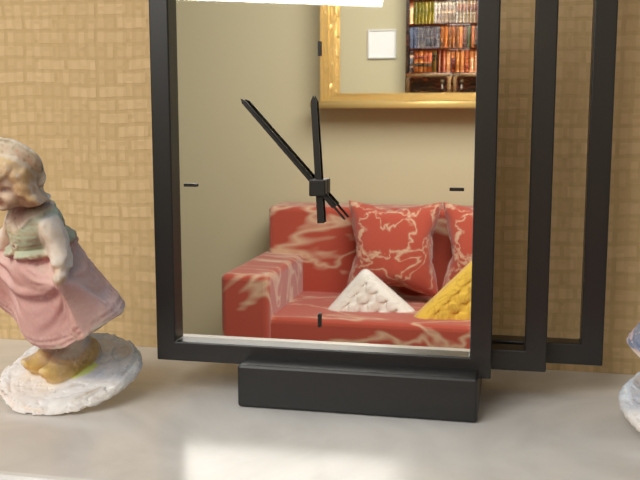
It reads **11:53:53**
